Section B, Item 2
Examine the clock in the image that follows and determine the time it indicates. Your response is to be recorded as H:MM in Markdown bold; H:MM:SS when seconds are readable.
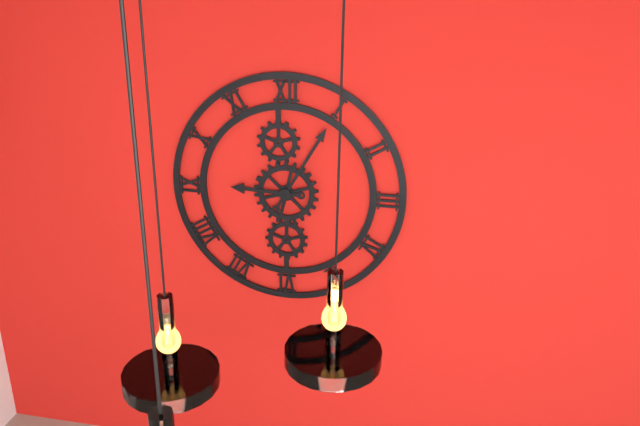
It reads **9:05**
